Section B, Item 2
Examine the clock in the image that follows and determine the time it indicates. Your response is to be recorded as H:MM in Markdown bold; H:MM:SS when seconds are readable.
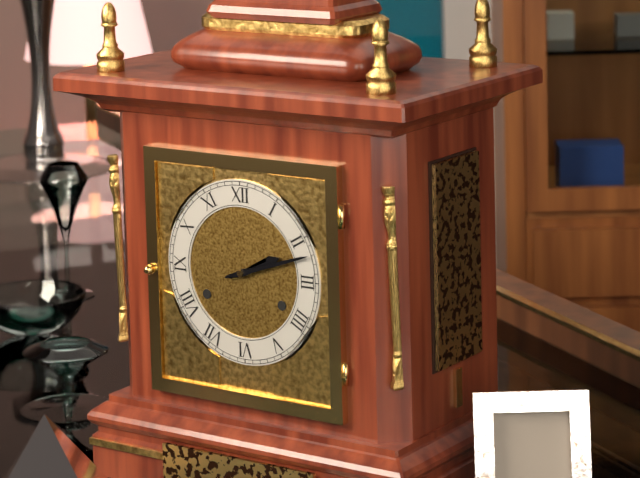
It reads **2:12**
